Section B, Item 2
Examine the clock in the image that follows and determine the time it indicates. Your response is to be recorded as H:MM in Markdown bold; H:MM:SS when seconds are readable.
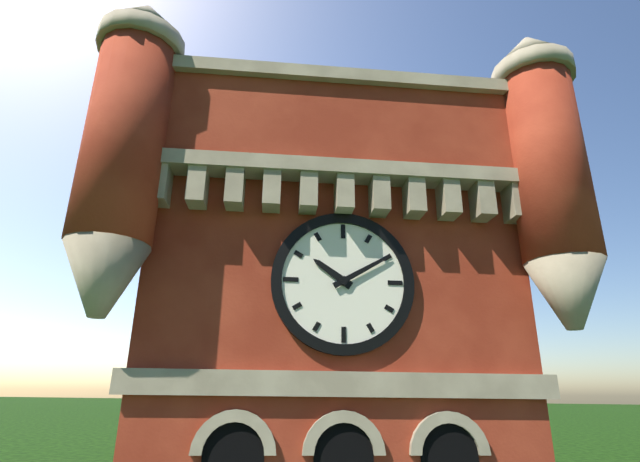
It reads **10:10**
